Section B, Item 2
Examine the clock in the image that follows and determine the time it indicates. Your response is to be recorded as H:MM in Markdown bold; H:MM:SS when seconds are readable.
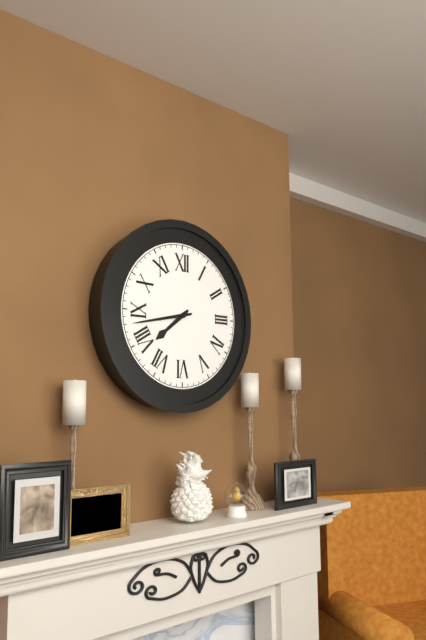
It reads **7:43**
